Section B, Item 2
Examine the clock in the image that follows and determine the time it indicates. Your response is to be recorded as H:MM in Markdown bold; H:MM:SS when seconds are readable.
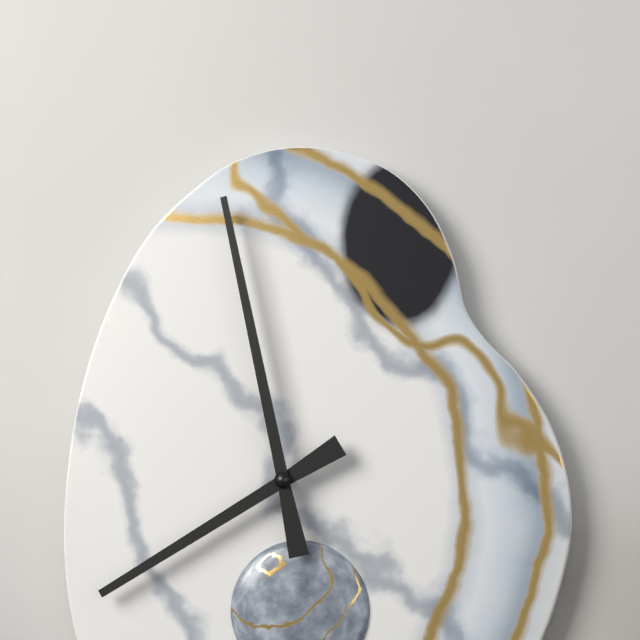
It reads **7:58**
